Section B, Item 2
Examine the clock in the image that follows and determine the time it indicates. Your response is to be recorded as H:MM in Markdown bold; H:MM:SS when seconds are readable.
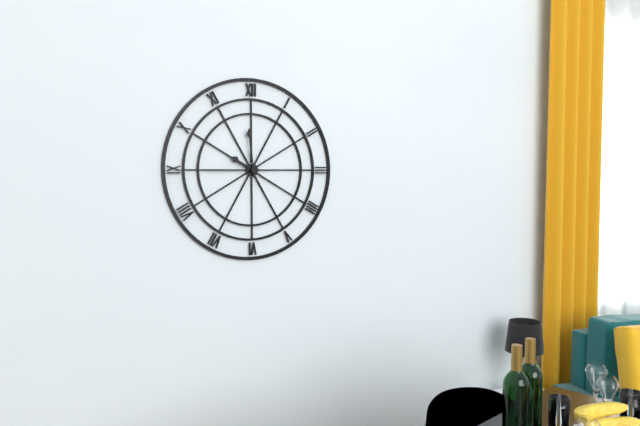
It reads **9:59:45**
